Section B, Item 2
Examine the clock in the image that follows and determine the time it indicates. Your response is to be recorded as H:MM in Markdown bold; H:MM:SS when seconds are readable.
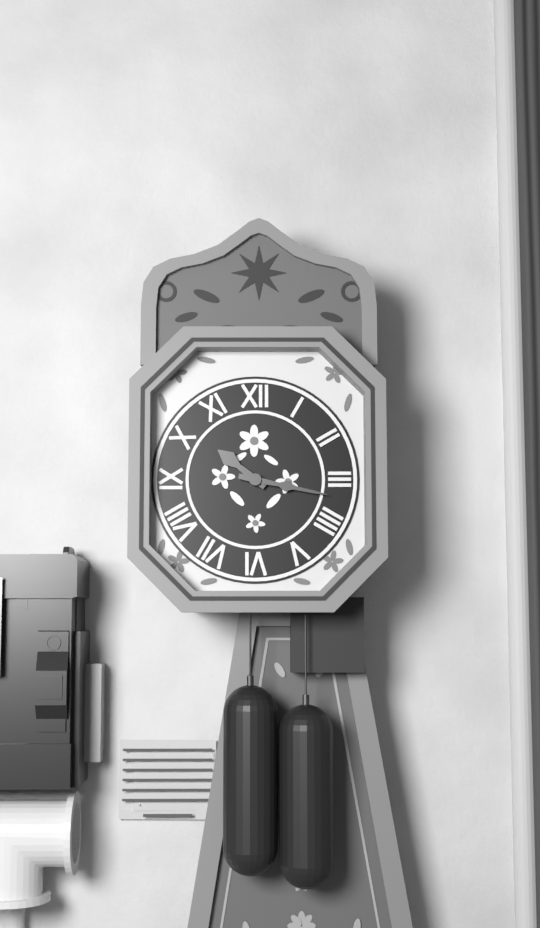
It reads **10:17**
